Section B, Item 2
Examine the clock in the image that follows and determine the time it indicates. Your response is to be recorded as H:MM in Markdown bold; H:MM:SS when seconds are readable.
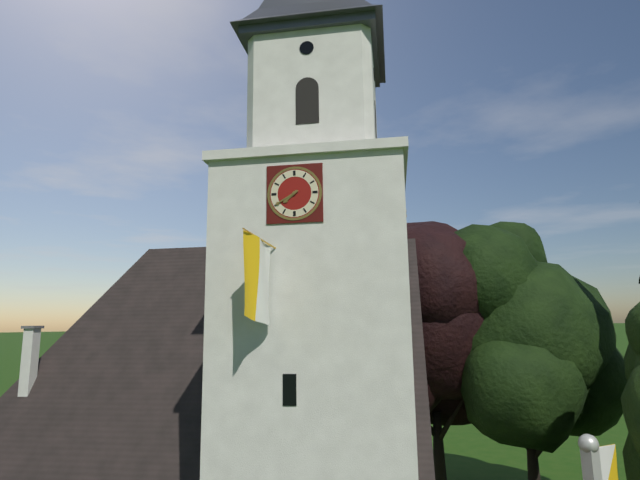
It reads **7:40**
